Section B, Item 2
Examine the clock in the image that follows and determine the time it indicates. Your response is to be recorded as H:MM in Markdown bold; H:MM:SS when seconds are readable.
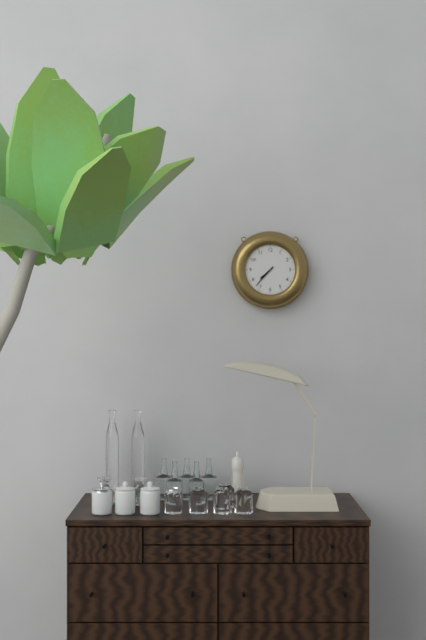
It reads **7:37**
